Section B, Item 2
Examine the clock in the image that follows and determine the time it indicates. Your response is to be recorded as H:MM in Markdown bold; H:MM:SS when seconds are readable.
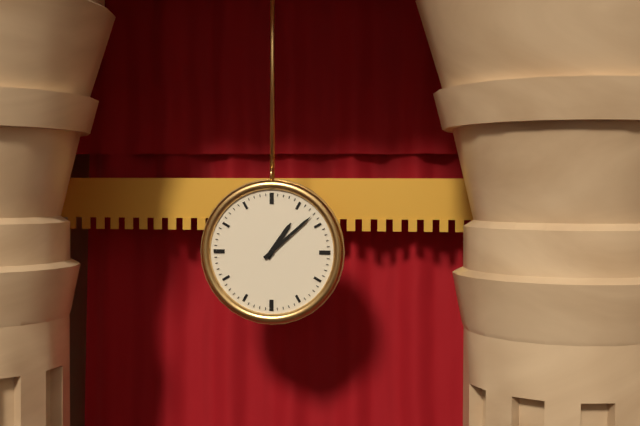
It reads **1:08**
